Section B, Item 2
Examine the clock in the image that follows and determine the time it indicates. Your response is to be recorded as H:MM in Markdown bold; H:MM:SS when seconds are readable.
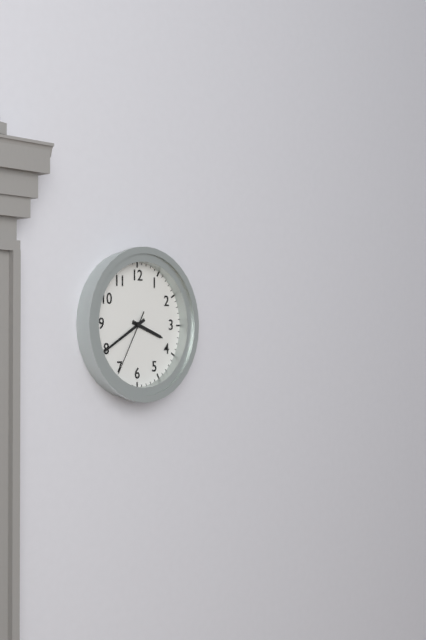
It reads **3:40:35**
